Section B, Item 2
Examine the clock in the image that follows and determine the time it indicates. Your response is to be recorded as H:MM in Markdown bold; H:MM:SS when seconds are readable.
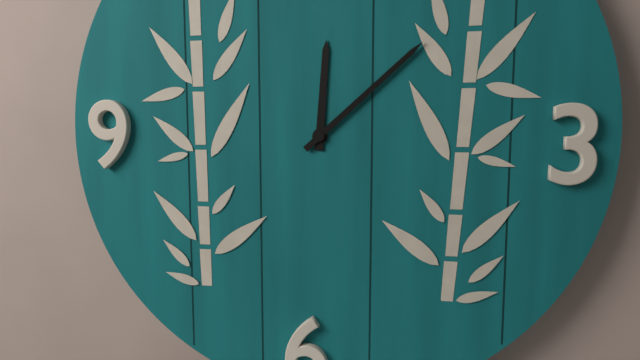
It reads **12:08**
